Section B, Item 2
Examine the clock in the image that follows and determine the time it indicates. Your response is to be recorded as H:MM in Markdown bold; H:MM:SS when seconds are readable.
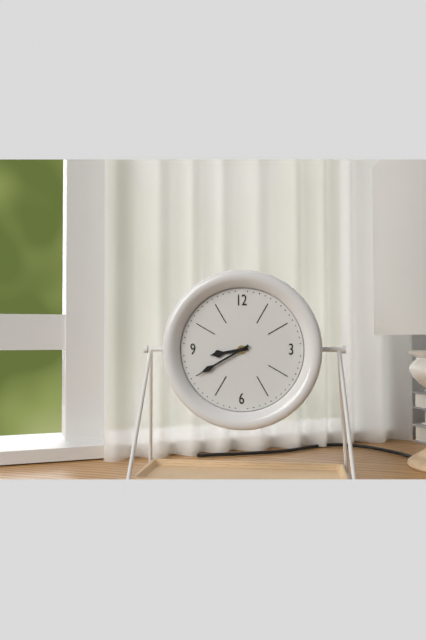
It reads **8:40**
